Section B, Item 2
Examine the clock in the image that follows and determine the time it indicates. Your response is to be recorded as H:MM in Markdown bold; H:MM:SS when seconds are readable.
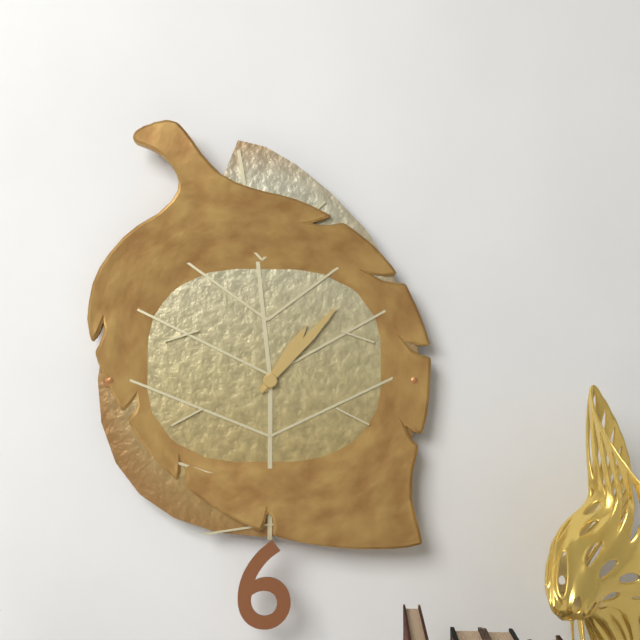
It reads **1:07**
